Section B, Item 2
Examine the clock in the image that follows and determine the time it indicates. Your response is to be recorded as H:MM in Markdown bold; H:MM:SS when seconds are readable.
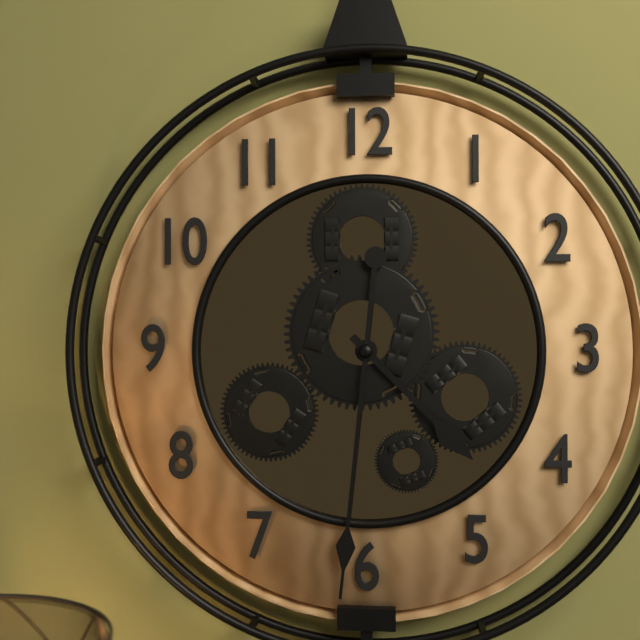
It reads **4:31**
